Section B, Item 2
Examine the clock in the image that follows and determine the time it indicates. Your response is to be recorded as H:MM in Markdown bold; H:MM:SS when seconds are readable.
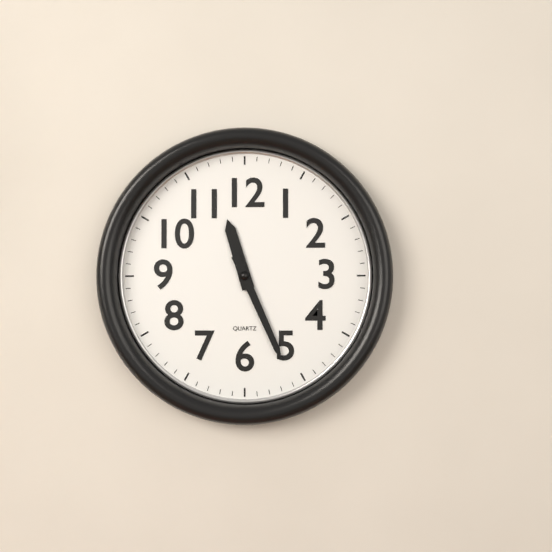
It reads **11:26**
